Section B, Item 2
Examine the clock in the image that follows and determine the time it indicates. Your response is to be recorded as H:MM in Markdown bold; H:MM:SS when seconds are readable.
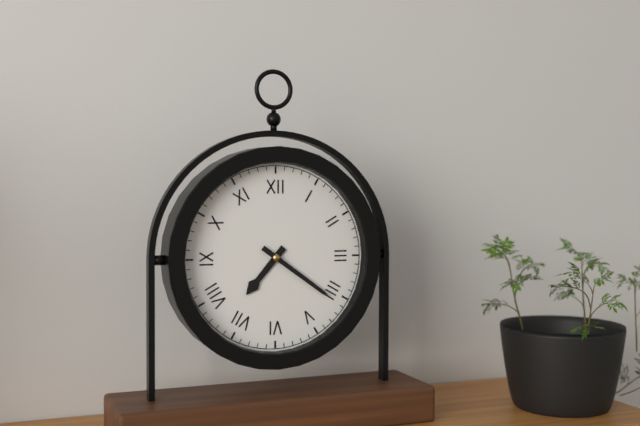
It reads **7:21**
